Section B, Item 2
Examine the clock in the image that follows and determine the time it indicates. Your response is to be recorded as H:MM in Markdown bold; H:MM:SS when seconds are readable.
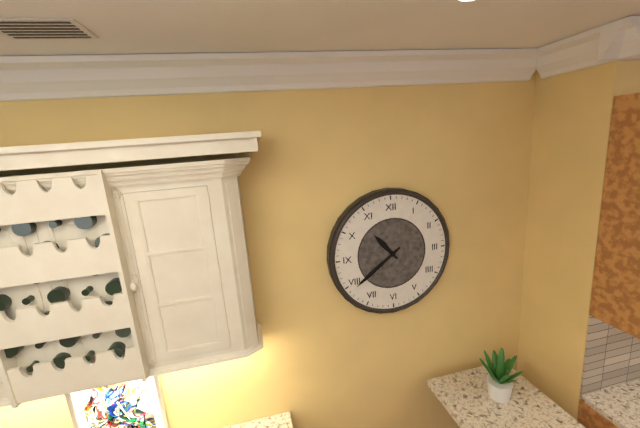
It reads **10:39**
